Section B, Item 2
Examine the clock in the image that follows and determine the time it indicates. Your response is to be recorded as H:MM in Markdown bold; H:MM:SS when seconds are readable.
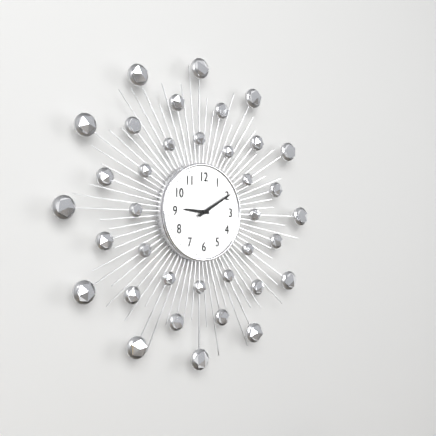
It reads **9:10**
